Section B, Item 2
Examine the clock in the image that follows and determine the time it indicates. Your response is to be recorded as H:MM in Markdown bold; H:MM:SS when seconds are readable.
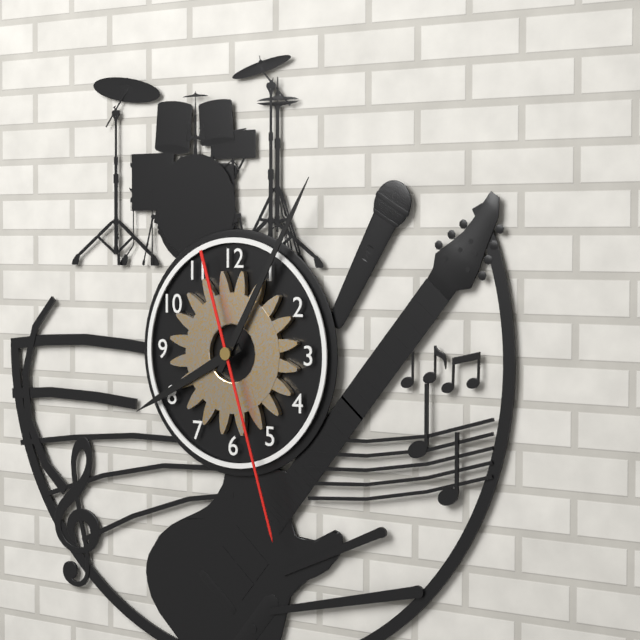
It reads **8:05:27**
